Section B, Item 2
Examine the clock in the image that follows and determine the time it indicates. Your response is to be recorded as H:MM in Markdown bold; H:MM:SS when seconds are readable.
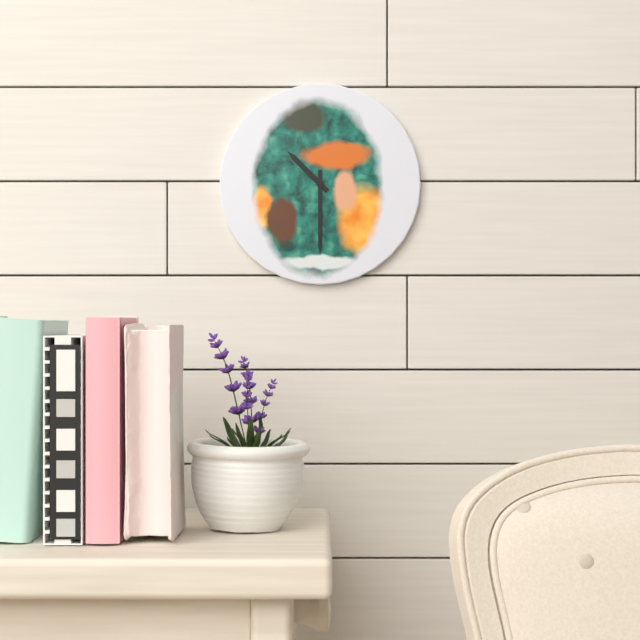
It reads **10:30**
